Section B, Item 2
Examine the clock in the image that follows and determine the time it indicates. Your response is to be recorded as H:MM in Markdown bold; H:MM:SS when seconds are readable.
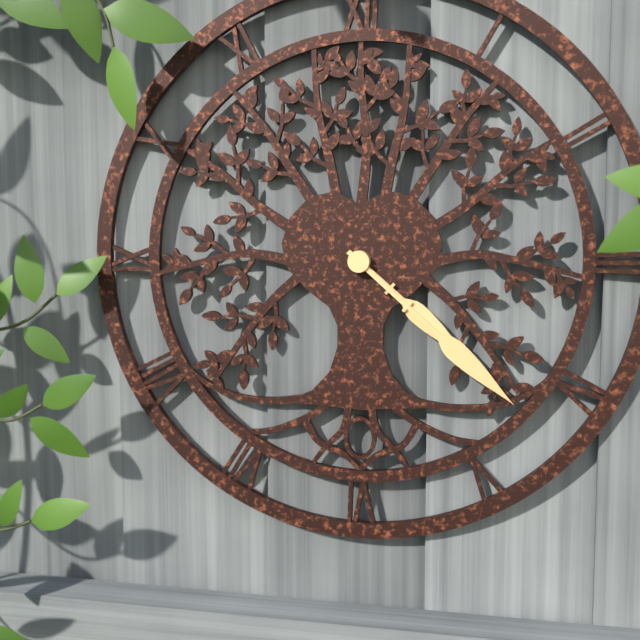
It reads **4:22**
